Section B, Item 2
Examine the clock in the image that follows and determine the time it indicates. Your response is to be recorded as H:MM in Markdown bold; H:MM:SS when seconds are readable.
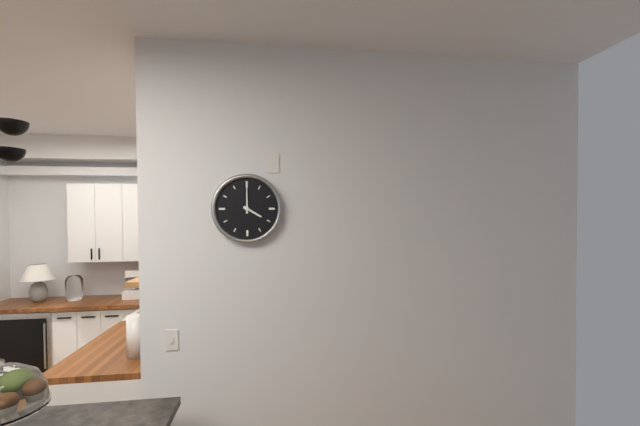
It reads **4:00**
